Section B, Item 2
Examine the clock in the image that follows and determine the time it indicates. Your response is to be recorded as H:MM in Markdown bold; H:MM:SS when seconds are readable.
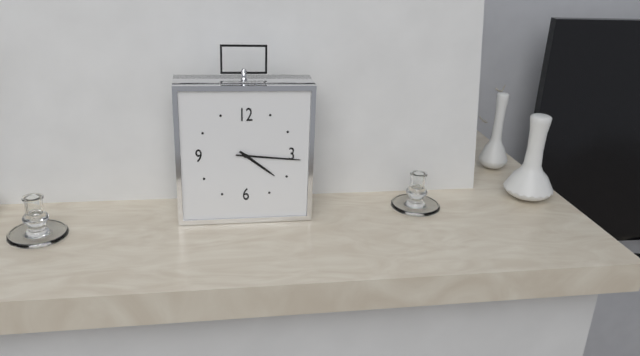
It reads **4:16**
